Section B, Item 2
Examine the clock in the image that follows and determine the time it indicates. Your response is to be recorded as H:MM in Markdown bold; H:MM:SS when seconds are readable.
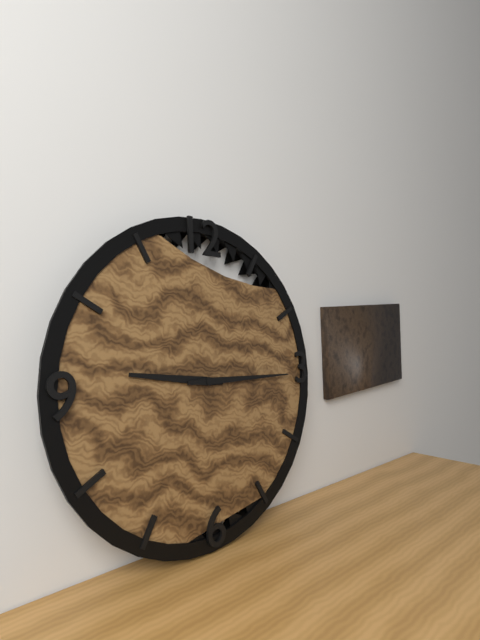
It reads **9:15**
